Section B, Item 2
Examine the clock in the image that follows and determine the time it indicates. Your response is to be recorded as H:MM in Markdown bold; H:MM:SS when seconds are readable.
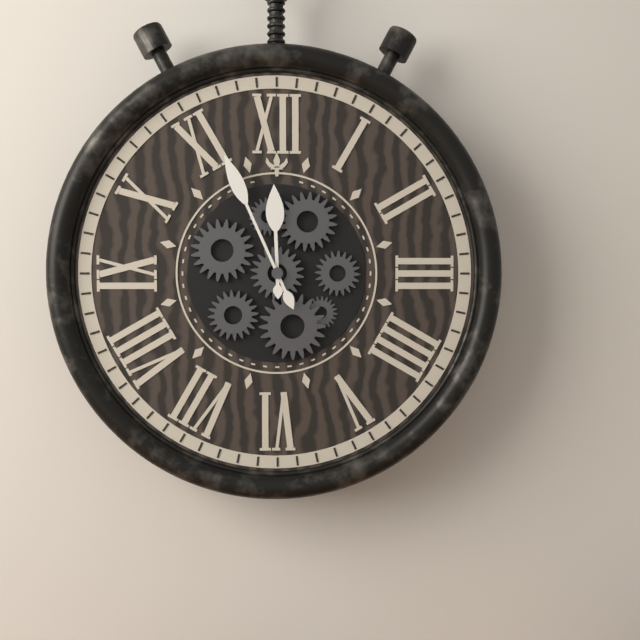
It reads **11:56**
